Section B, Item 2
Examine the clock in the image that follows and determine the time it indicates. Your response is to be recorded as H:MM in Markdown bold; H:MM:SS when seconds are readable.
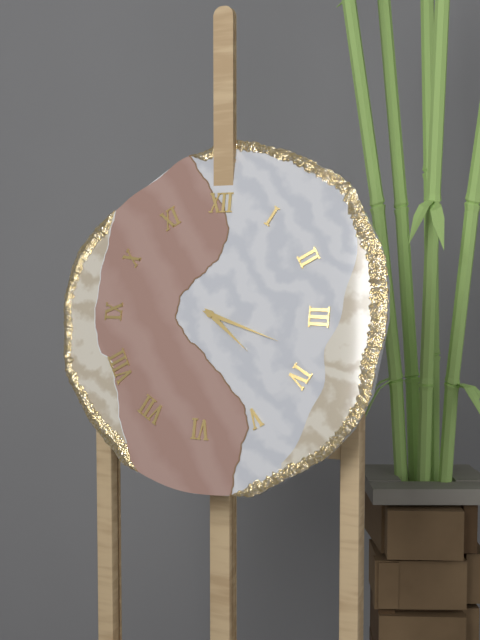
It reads **4:18**
